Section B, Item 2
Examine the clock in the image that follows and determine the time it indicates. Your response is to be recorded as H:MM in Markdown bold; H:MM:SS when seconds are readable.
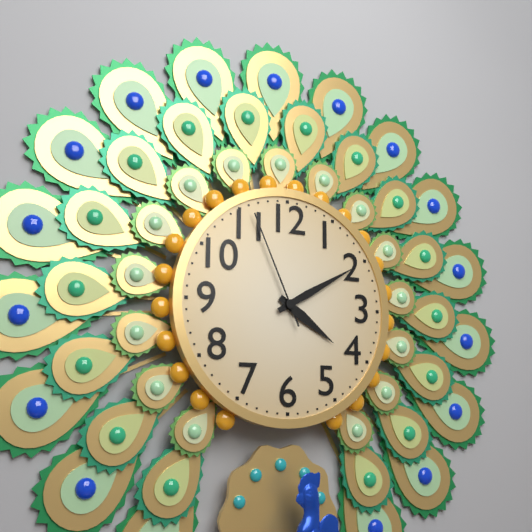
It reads **4:10:56**
